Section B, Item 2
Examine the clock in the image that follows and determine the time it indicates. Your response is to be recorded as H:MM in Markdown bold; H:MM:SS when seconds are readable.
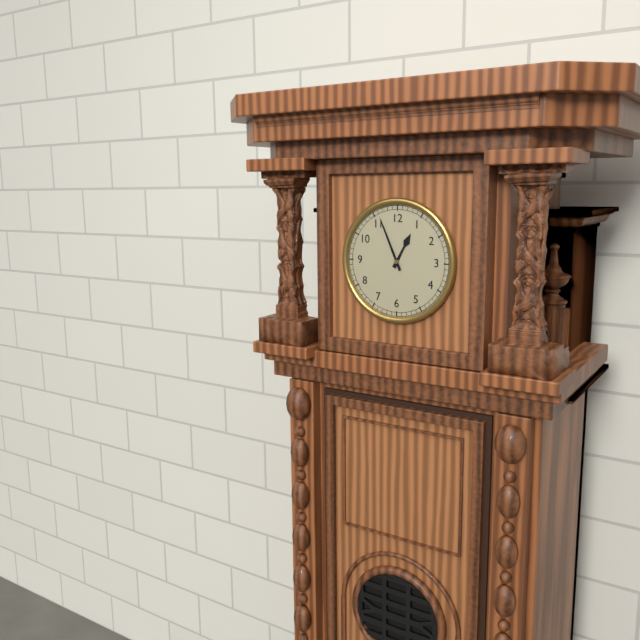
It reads **12:56**
